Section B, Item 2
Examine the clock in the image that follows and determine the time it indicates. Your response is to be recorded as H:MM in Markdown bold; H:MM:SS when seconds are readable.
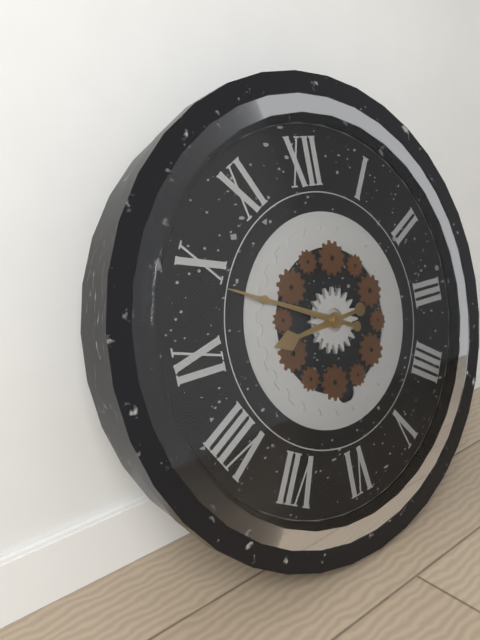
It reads **8:49**
